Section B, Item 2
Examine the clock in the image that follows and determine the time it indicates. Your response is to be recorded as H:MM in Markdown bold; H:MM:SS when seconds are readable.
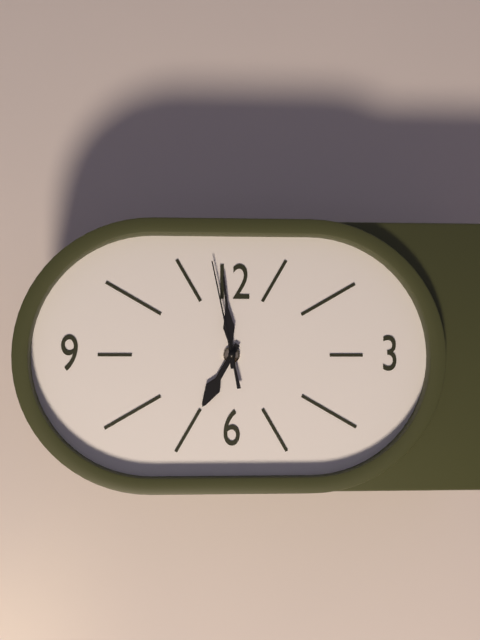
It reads **6:59:58**
